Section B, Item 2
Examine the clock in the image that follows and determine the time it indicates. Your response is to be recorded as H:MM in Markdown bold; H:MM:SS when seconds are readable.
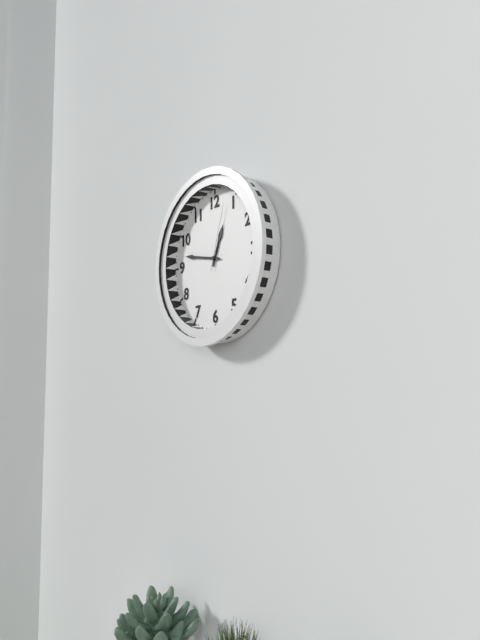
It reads **12:47:03**
